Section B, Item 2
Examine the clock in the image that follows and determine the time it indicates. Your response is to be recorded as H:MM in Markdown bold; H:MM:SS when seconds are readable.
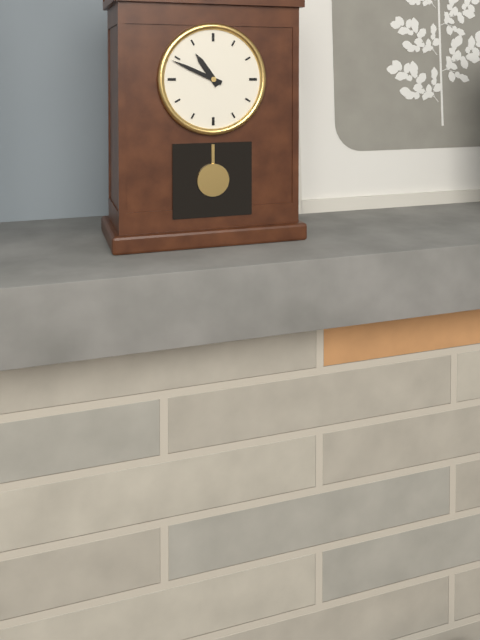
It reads **10:49**
